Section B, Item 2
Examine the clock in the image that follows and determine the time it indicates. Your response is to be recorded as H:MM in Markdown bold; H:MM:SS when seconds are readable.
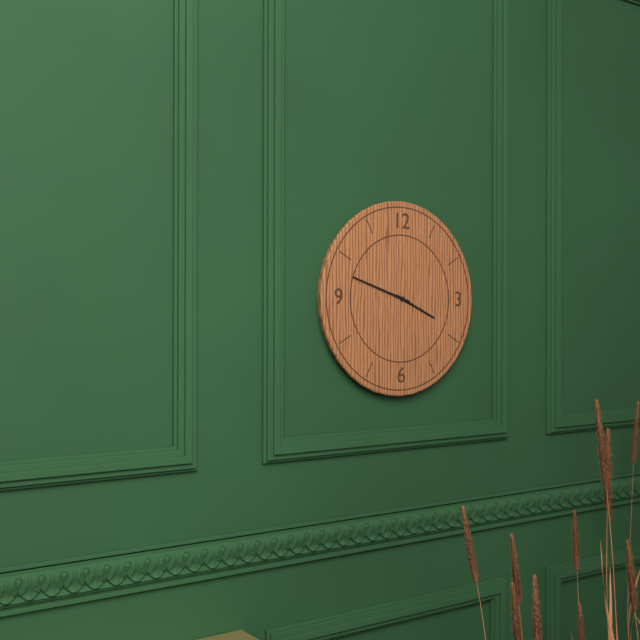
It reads **3:48**
